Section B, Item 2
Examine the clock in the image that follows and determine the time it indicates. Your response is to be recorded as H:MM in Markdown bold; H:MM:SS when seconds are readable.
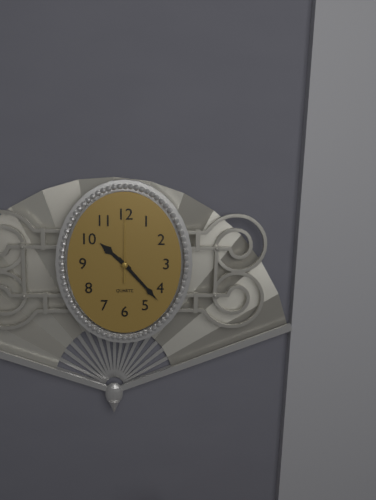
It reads **10:23:00**
